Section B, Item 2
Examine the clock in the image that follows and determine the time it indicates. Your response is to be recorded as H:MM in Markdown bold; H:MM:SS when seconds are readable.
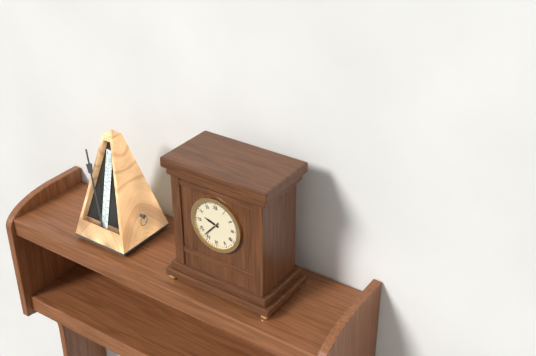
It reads **9:37**
